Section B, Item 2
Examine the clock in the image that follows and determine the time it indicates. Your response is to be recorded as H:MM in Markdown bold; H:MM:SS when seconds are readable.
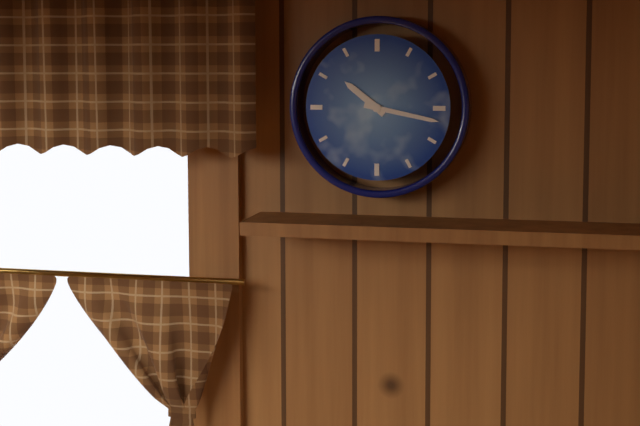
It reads **10:17**
